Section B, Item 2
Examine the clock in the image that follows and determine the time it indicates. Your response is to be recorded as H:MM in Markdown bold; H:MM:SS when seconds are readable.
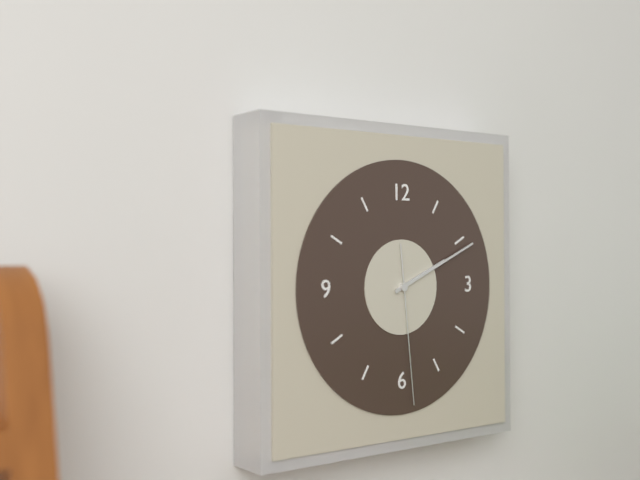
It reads **2:11:29**
